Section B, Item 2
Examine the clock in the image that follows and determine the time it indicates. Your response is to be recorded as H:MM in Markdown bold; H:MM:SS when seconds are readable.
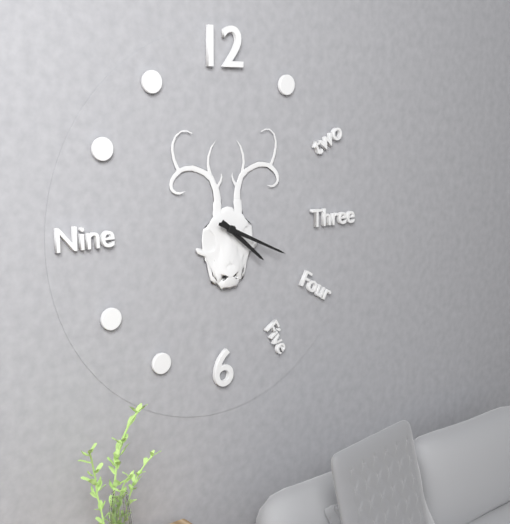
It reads **4:19**
